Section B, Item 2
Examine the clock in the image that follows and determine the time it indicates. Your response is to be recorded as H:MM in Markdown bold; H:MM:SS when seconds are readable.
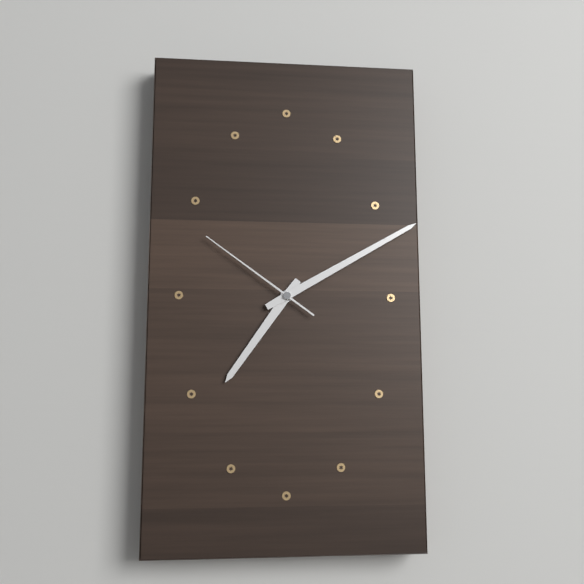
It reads **7:10:51**
